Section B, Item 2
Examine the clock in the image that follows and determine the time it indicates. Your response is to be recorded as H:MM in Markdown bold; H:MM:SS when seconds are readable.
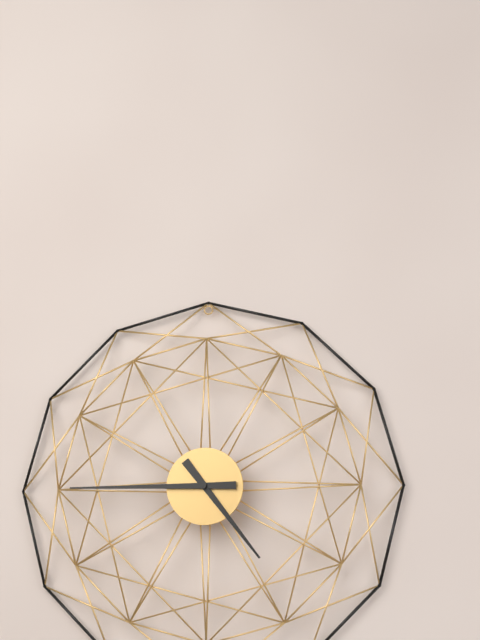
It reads **4:45**
